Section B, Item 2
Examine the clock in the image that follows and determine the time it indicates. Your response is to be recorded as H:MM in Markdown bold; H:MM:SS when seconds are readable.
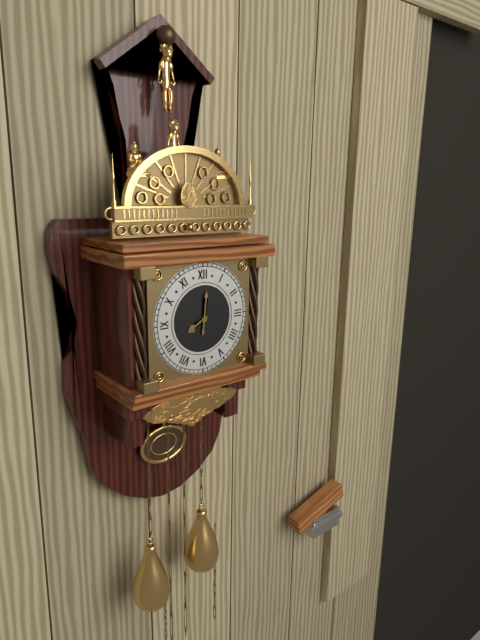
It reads **8:01**
